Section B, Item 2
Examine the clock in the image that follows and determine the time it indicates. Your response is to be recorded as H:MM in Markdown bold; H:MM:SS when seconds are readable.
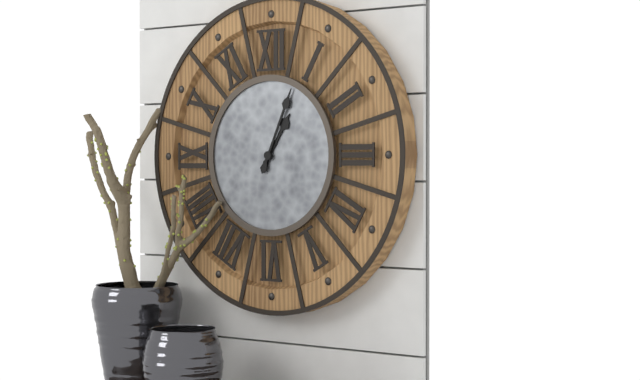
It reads **1:04**
